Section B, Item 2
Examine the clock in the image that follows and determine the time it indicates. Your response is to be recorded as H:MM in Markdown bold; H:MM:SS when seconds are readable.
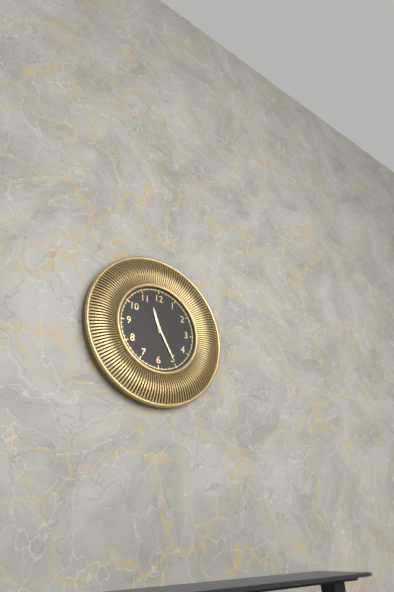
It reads **11:25**
